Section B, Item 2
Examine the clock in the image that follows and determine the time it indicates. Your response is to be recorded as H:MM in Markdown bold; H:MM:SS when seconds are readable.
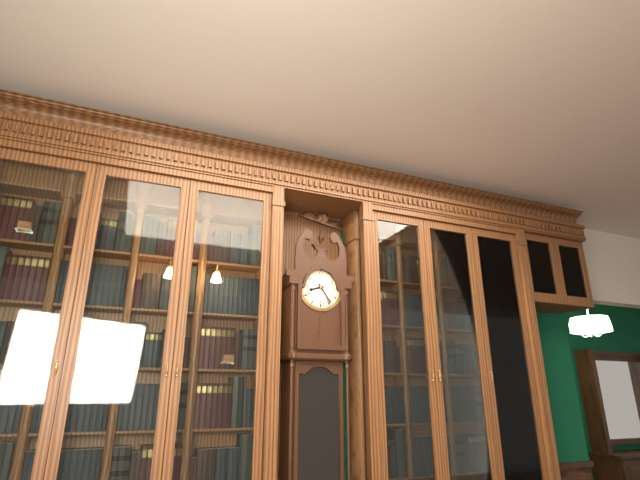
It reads **8:24**
